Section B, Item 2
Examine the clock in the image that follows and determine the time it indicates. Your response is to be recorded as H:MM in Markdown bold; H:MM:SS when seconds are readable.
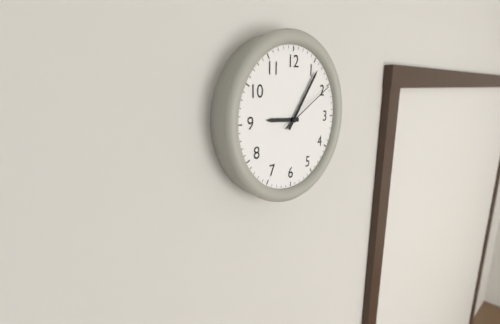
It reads **9:06:10**
